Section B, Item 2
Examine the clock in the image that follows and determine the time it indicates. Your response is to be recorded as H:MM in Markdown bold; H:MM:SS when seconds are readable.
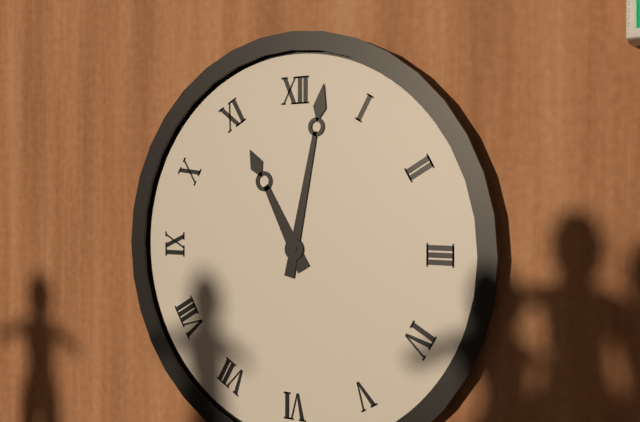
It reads **11:02**
